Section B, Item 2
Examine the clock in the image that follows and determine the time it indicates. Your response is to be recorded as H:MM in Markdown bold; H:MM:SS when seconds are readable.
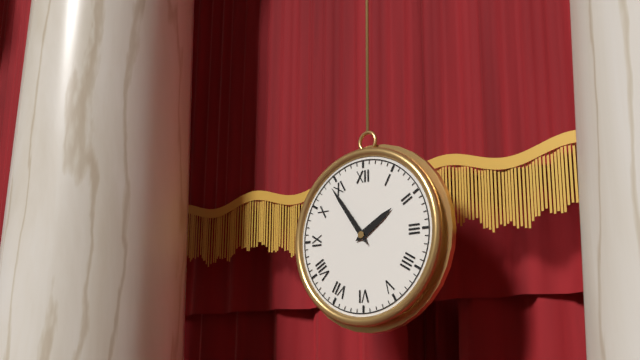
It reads **1:54**
